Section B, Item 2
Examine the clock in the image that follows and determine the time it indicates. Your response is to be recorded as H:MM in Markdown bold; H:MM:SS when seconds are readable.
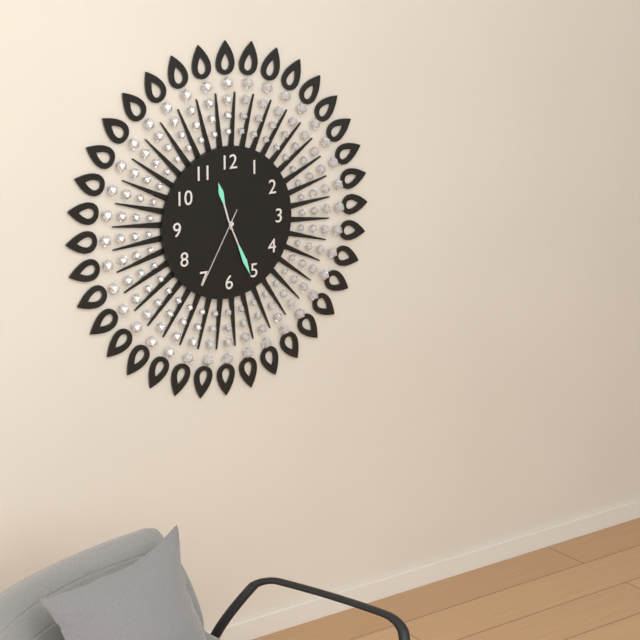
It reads **11:26:35**
